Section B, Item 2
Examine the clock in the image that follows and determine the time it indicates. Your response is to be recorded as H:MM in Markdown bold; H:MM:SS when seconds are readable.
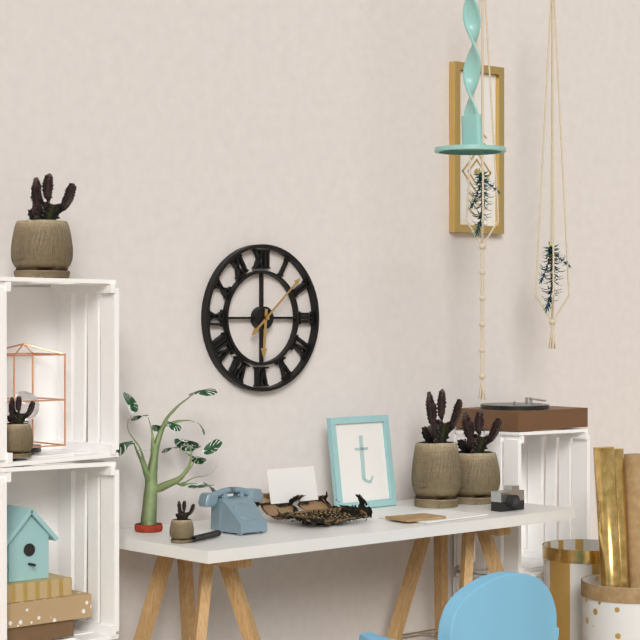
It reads **6:08**
